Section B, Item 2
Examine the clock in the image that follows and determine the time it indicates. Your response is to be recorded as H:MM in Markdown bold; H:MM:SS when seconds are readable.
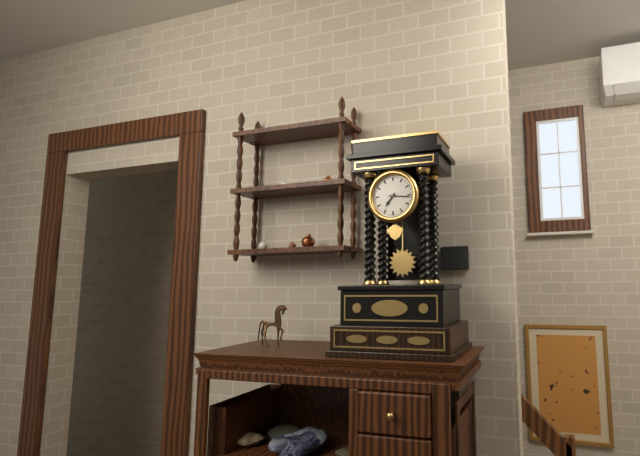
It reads **7:16**
